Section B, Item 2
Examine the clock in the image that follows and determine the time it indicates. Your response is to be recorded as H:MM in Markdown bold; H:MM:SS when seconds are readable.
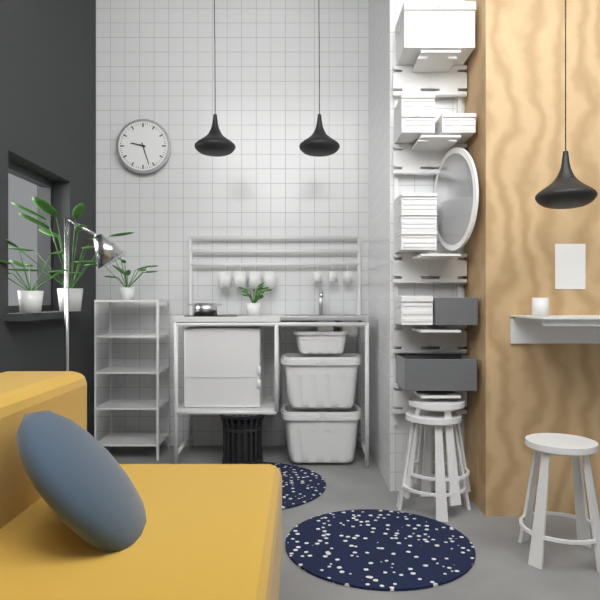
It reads **9:27**
